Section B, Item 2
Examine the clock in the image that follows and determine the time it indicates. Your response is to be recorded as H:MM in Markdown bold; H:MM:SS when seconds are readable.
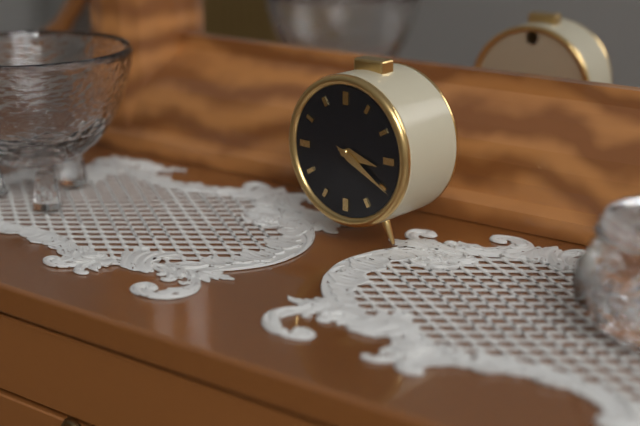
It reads **3:20**
